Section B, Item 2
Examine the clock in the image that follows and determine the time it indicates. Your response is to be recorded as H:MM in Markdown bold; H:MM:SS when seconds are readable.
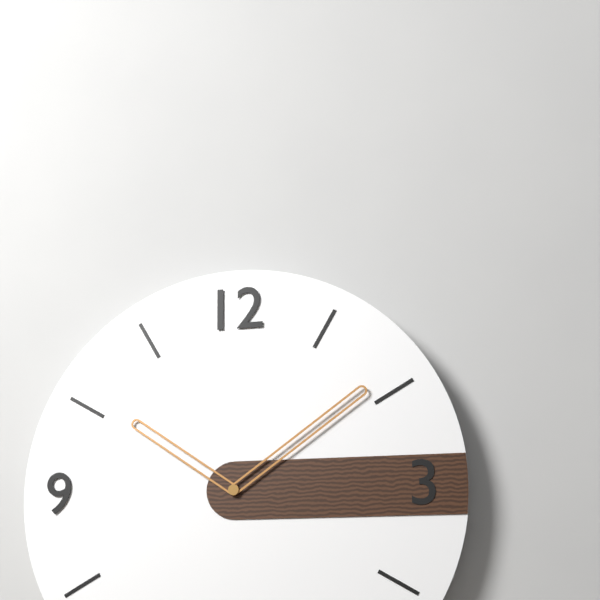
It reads **10:09**
